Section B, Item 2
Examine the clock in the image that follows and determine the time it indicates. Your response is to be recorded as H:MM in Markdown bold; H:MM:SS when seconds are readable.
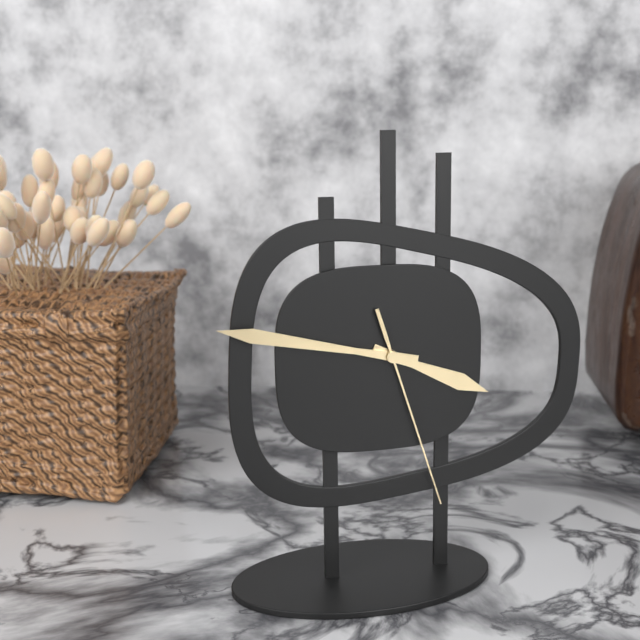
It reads **3:47:27**
